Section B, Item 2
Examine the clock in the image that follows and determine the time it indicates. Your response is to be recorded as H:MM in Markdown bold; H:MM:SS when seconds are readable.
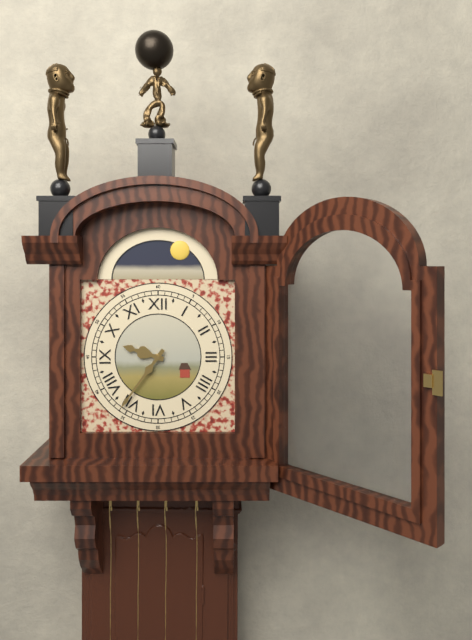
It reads **9:36**
